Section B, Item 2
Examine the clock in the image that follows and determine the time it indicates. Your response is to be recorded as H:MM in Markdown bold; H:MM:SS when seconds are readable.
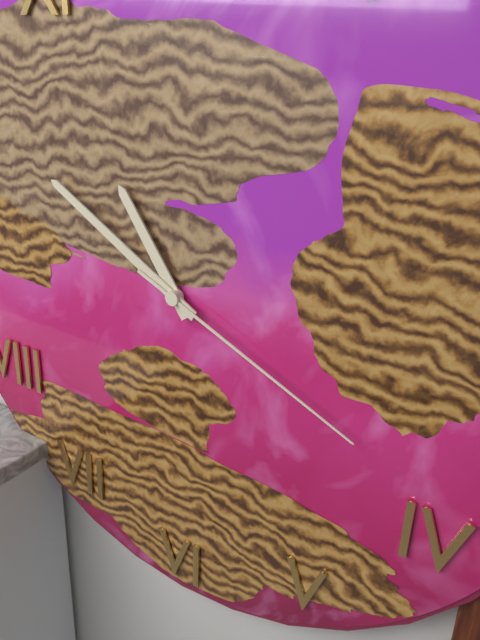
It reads **10:50:19**
